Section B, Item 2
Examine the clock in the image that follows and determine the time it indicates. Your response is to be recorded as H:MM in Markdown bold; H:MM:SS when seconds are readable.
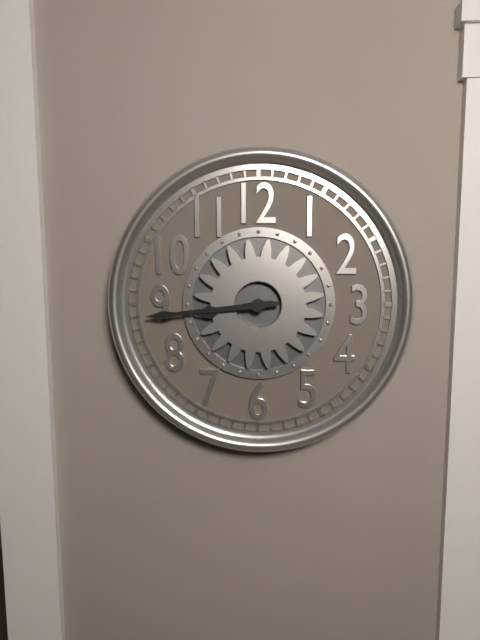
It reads **8:44**
